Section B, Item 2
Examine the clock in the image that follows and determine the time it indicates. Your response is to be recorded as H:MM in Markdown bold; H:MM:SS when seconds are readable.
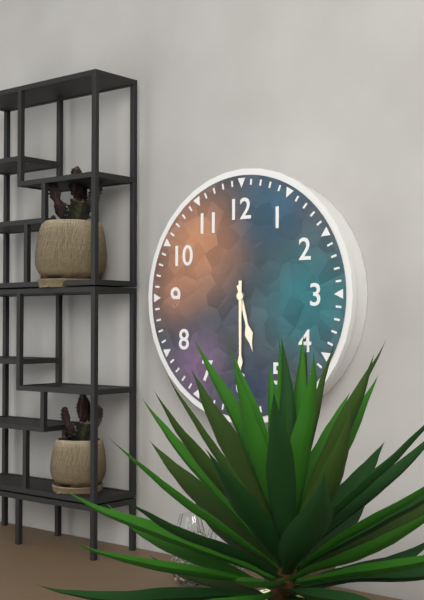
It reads **5:30**
